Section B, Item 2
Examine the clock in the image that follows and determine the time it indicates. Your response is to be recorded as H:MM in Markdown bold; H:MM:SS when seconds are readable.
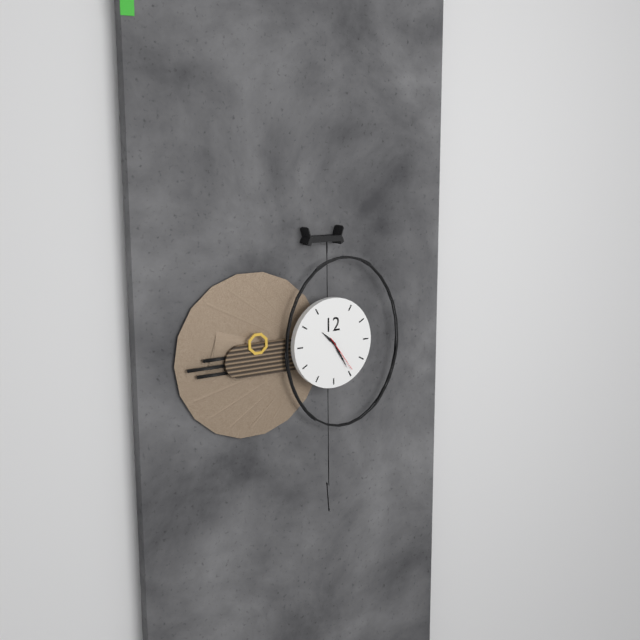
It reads **10:25**
